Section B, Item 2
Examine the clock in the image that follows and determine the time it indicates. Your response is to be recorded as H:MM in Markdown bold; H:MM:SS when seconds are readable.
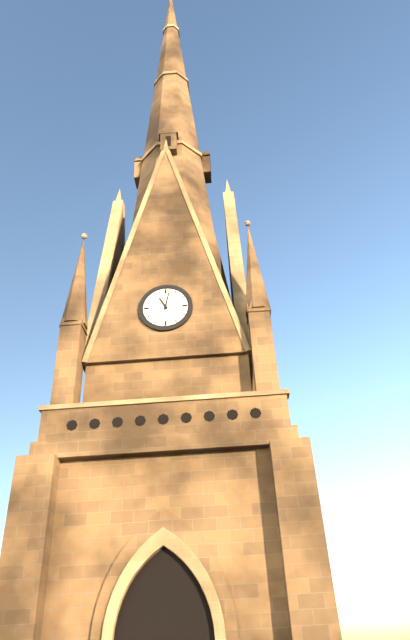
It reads **11:02**
